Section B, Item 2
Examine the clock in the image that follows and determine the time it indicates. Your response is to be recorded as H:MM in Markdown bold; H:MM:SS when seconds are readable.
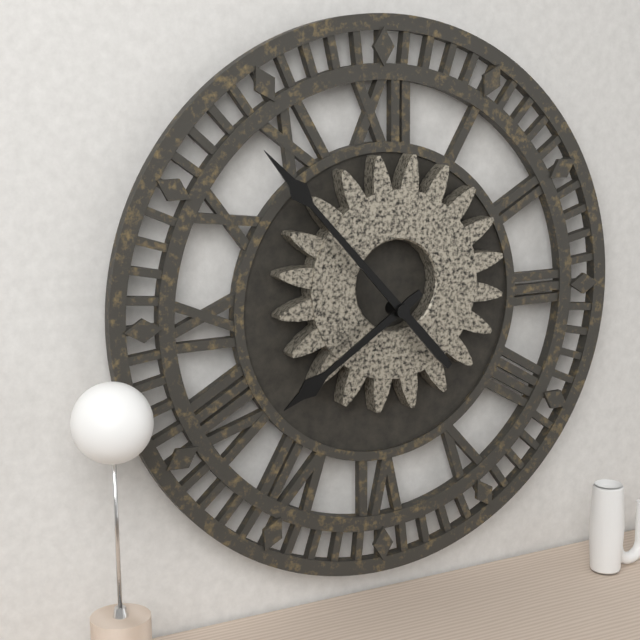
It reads **7:53**
